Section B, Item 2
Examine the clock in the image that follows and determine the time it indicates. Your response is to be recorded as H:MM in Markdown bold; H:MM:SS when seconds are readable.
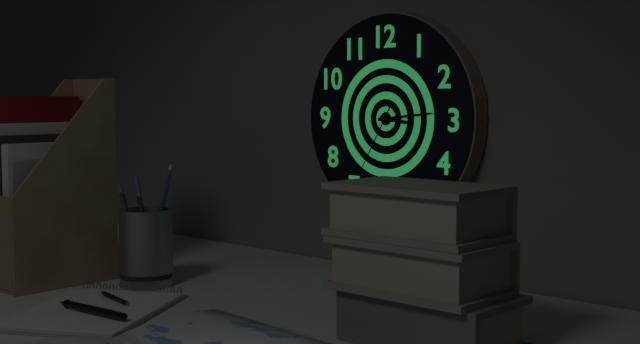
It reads **3:14:35**
